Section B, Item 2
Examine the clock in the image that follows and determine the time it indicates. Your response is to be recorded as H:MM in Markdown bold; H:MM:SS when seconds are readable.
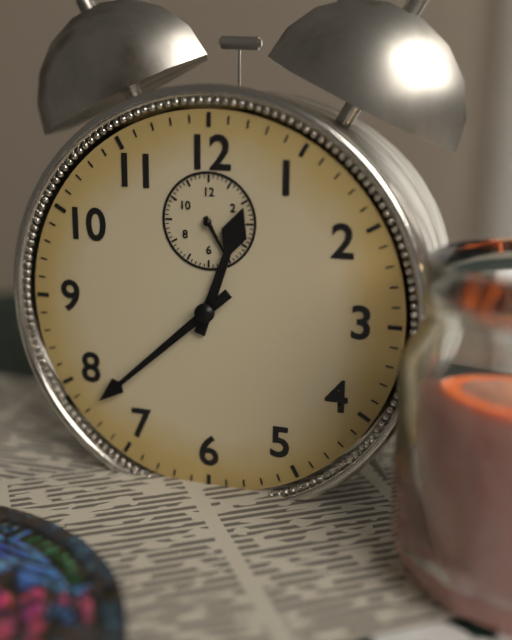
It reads **12:38**
